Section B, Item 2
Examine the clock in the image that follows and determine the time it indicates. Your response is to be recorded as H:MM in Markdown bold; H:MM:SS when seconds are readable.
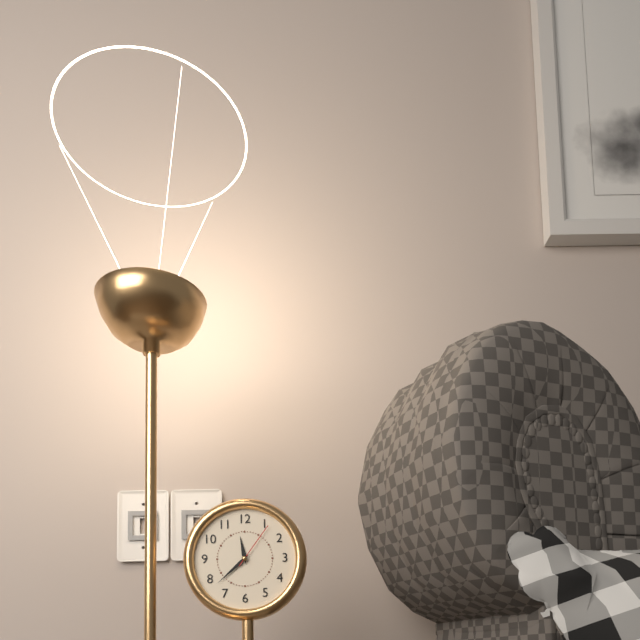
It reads **11:38:06**
